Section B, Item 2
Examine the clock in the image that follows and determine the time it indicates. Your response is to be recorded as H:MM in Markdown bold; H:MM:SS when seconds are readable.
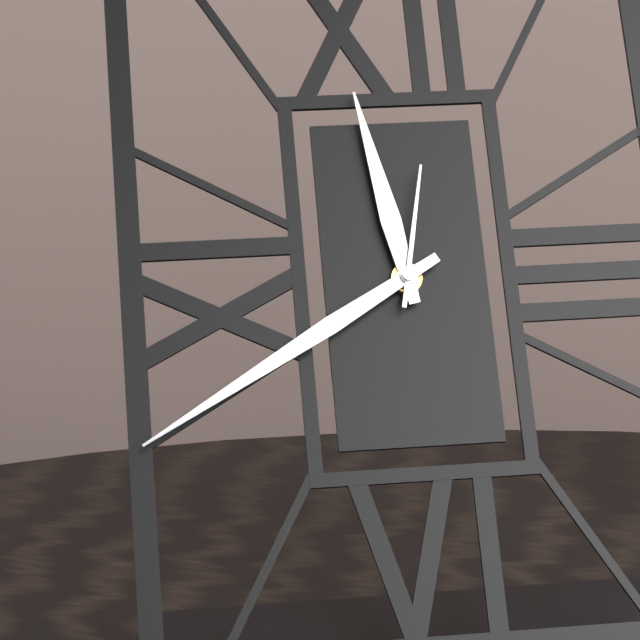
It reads **11:40:02**
